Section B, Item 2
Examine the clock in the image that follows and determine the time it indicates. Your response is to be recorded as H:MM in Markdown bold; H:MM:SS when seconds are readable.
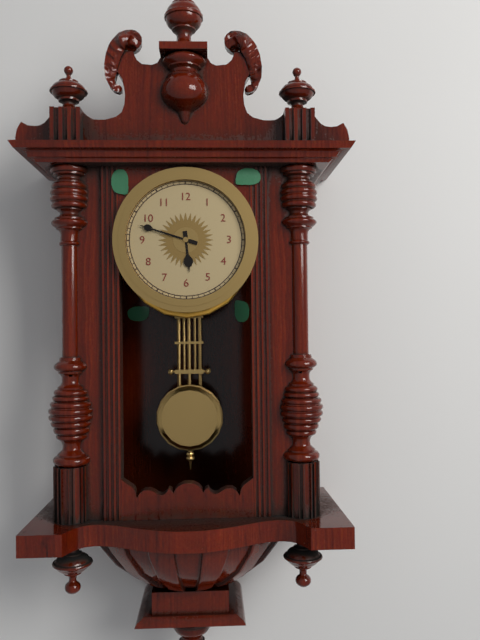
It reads **5:48**
